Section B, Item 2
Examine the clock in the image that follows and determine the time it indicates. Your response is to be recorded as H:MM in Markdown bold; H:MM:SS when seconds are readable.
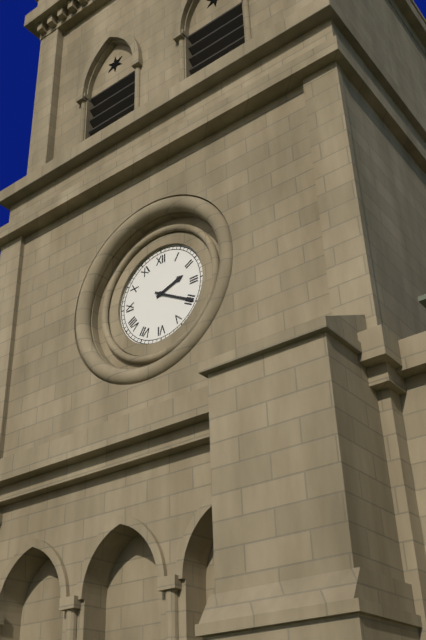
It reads **2:20**
